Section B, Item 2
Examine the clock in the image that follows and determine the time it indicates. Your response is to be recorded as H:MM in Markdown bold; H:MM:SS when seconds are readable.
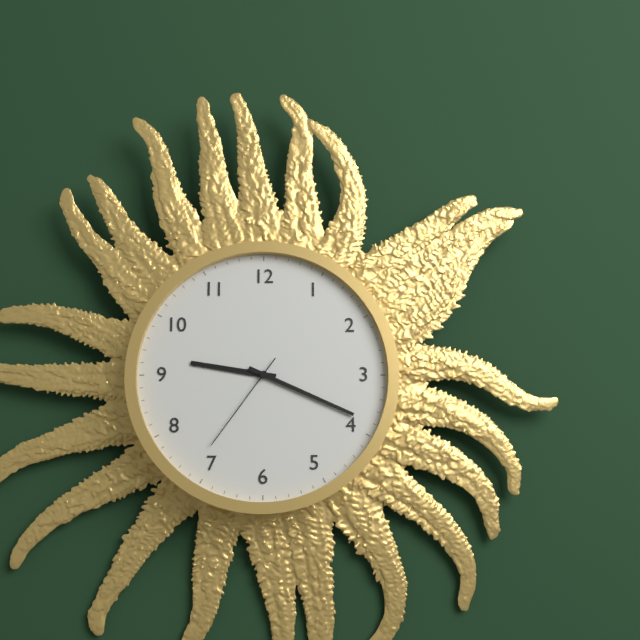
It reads **9:19:36**
